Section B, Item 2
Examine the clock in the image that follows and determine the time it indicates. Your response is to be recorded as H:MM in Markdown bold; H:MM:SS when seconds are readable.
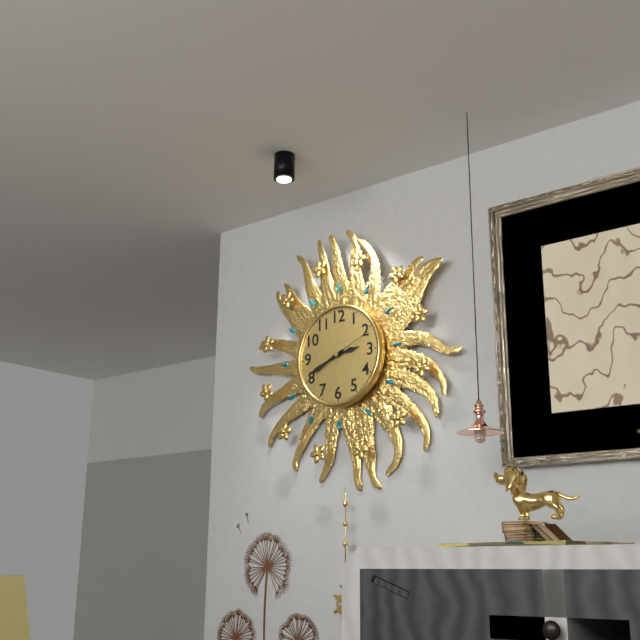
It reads **2:41**
